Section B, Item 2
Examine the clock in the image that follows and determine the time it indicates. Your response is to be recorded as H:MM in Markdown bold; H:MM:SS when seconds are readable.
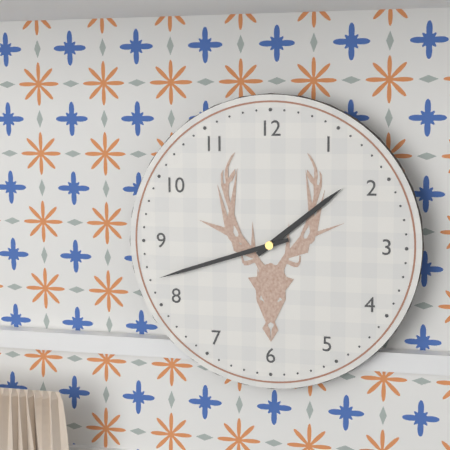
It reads **1:42**
